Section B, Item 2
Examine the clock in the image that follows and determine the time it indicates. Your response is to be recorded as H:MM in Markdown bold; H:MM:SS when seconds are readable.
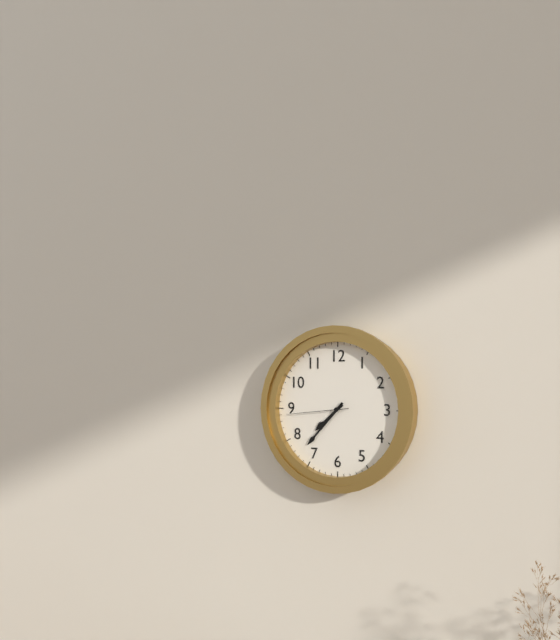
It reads **7:37:44**
